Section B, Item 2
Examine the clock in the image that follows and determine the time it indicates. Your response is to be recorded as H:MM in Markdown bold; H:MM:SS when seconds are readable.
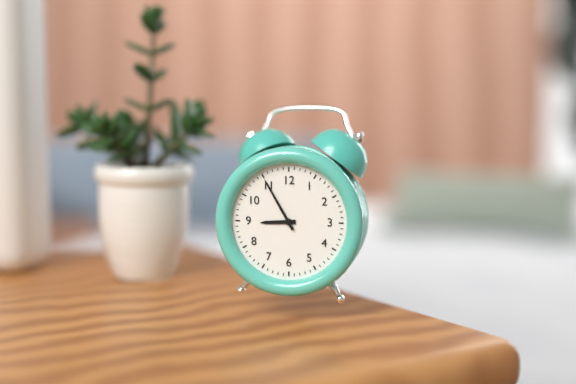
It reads **8:55**
